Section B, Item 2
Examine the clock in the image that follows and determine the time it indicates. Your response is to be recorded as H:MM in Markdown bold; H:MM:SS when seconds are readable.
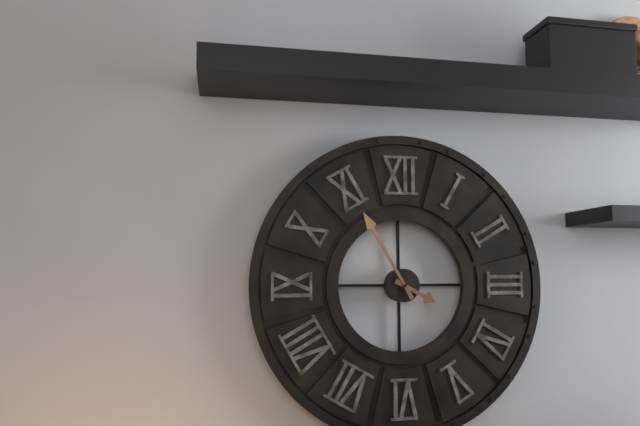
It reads **3:55**
